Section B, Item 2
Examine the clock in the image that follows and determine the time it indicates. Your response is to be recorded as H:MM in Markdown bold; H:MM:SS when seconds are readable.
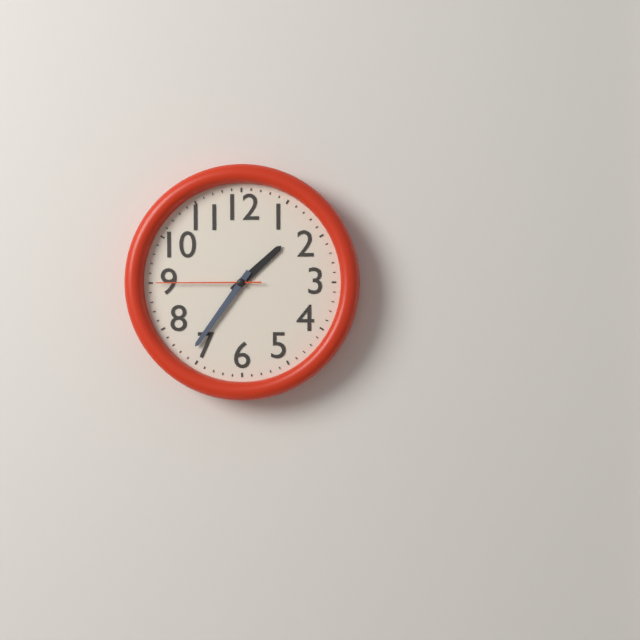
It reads **1:36:45**
